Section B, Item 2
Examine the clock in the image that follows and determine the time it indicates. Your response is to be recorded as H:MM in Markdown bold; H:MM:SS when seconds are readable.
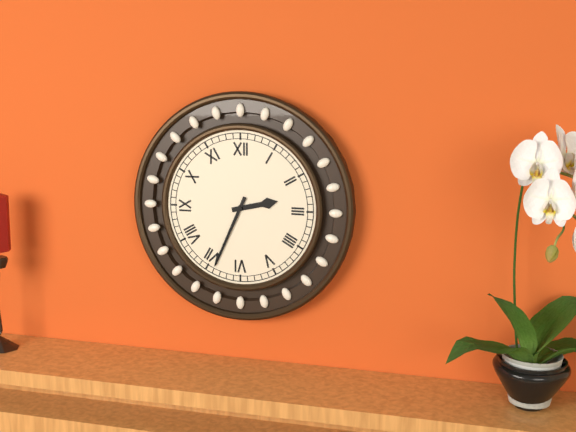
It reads **2:34**
